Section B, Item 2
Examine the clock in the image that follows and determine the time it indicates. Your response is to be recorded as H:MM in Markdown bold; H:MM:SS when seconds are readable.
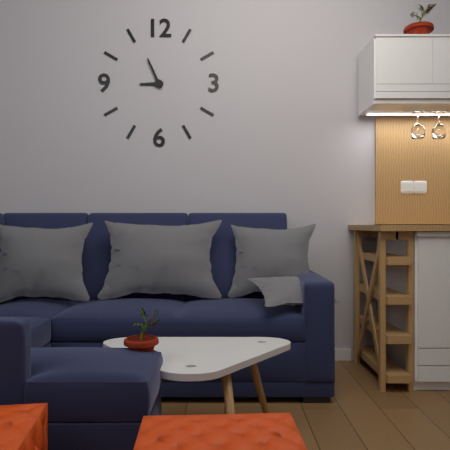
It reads **8:56**
